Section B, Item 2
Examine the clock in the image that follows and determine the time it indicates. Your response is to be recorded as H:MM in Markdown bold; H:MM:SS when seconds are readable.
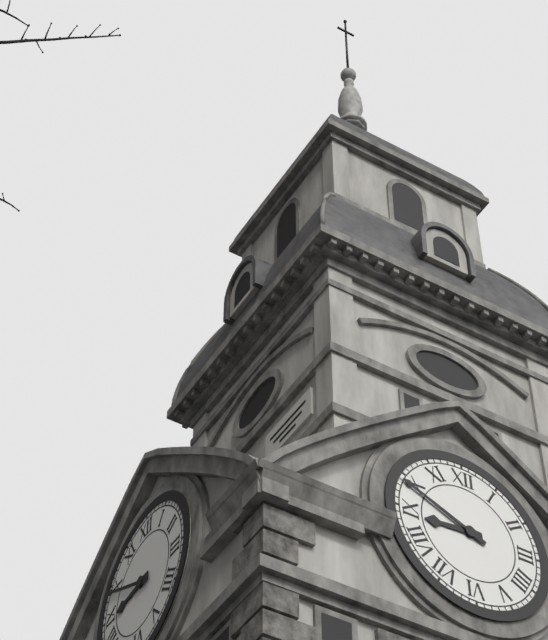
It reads **8:49**
